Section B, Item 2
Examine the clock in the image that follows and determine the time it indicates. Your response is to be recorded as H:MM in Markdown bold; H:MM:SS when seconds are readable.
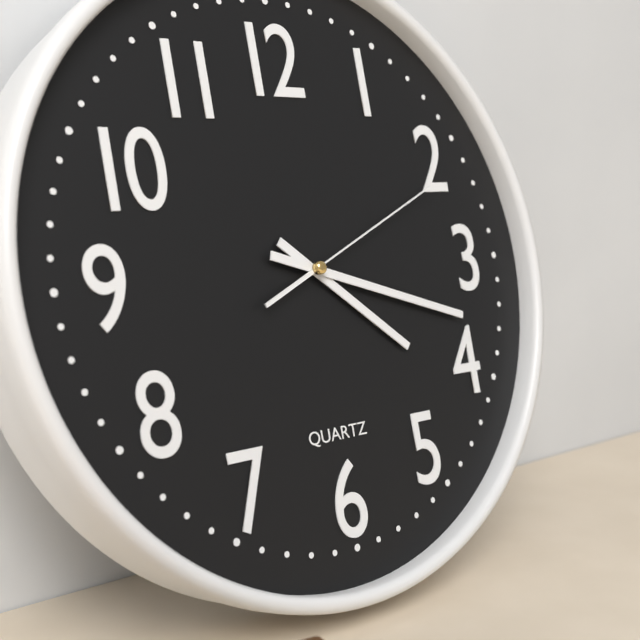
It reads **4:18:11**
